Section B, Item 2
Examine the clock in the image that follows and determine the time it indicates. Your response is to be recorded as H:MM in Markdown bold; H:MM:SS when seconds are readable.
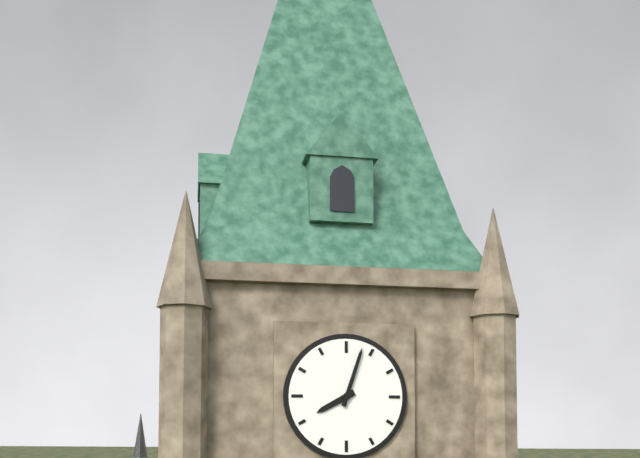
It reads **8:03**
